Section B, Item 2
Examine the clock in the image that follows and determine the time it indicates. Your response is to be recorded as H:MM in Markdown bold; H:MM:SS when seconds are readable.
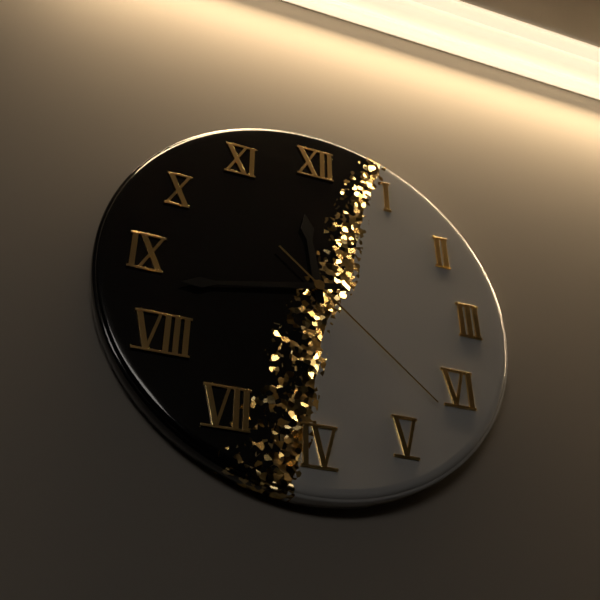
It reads **11:43:22**
